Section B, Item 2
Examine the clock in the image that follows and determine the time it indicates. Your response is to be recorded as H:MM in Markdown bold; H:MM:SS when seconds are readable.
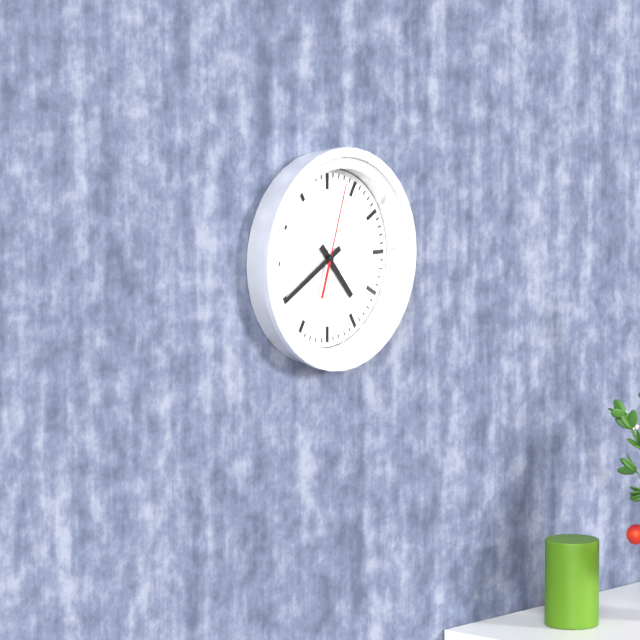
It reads **4:40:03**
